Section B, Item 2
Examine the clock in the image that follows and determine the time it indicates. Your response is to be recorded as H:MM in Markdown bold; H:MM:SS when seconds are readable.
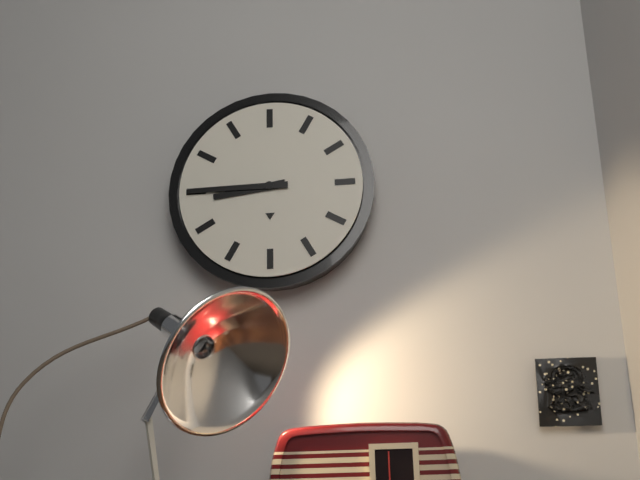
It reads **8:45**
